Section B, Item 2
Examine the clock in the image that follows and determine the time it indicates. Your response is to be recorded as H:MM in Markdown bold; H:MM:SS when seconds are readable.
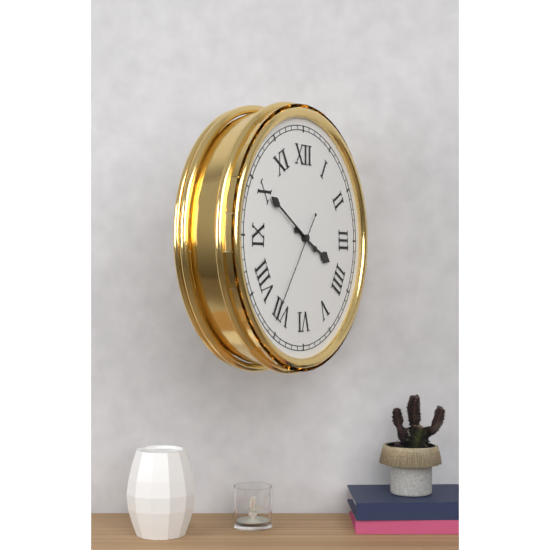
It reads **3:50:36**
